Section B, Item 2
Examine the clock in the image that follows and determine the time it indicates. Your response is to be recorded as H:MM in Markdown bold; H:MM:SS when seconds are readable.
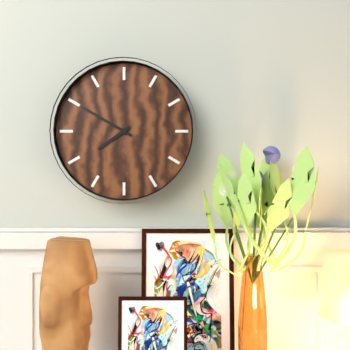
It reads **7:50**
